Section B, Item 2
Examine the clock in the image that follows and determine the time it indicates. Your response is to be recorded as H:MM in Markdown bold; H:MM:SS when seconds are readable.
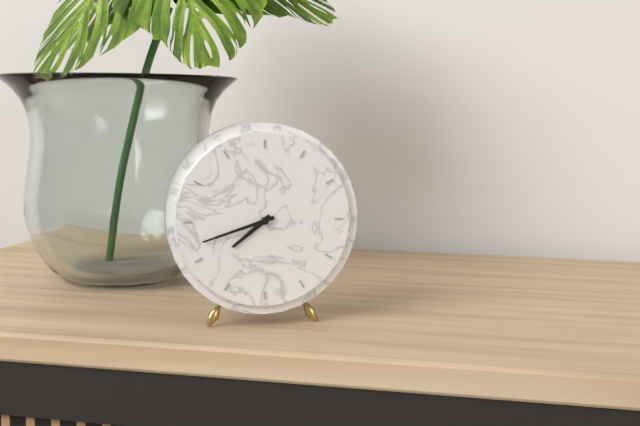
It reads **7:42**
